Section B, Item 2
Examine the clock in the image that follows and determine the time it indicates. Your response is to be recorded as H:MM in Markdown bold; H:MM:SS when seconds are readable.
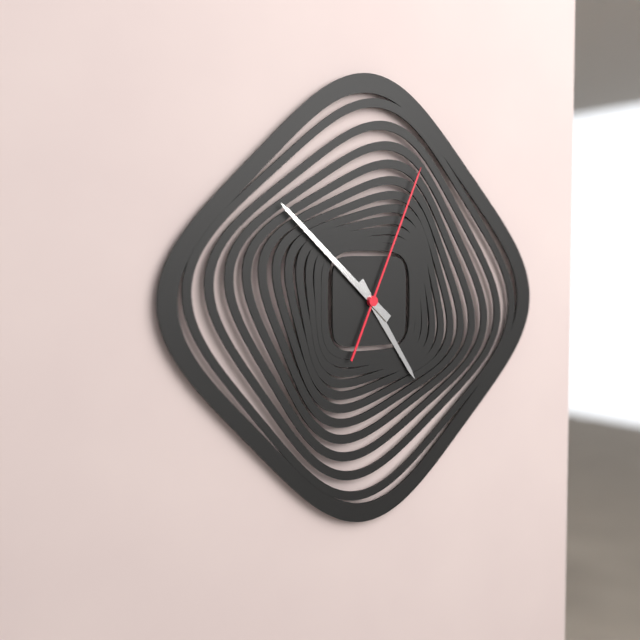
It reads **4:52:04**
